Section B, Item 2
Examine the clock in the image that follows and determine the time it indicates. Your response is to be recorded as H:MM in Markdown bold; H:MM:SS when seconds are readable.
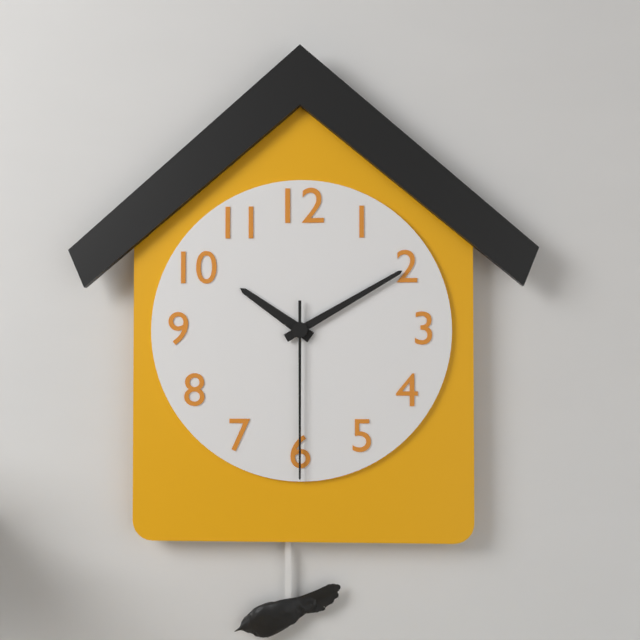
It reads **10:10:30**
